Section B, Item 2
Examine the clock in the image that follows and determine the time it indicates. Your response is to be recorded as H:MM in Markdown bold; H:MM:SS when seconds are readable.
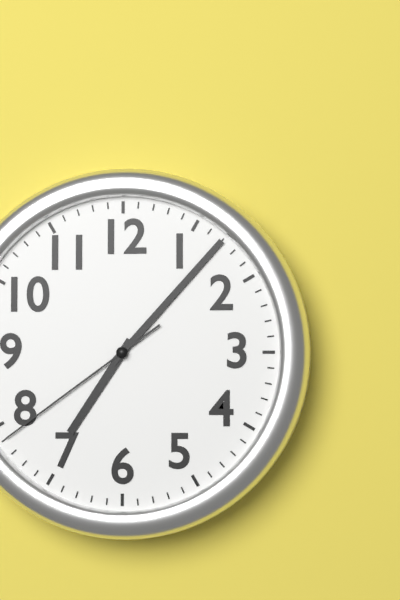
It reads **7:07:39**
